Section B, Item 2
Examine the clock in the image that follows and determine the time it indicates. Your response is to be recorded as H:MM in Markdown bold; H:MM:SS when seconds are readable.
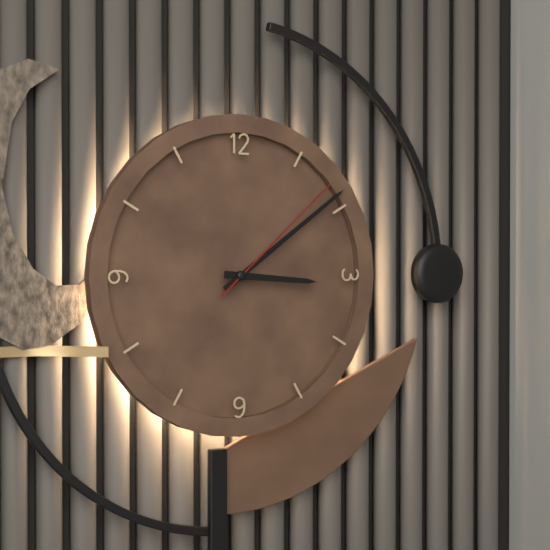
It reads **3:09:08**
